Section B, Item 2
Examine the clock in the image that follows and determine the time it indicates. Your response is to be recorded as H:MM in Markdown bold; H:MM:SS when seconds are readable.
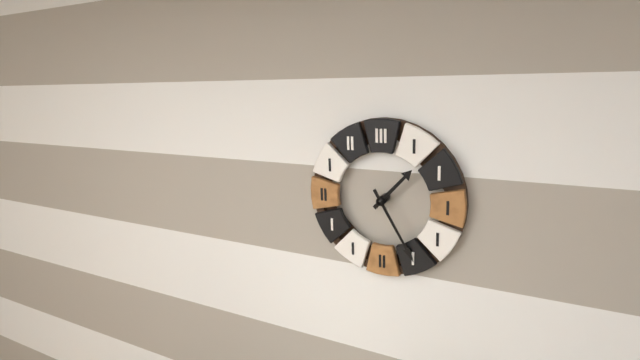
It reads **1:25**
